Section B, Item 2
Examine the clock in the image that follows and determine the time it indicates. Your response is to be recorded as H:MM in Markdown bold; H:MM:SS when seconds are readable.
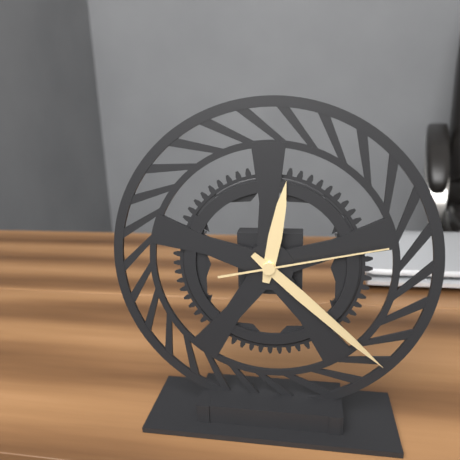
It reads **12:22:13**
